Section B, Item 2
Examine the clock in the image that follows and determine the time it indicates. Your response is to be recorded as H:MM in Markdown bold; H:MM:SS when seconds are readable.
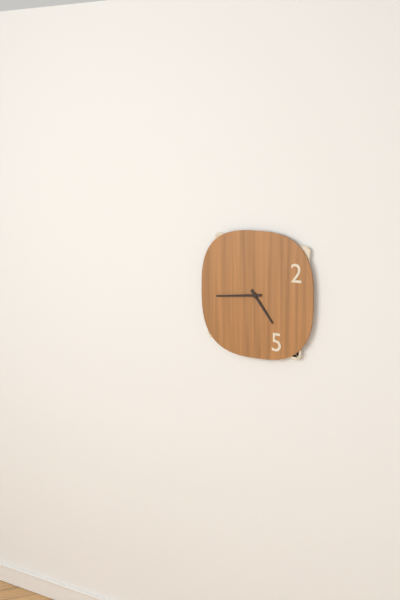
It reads **4:44**
